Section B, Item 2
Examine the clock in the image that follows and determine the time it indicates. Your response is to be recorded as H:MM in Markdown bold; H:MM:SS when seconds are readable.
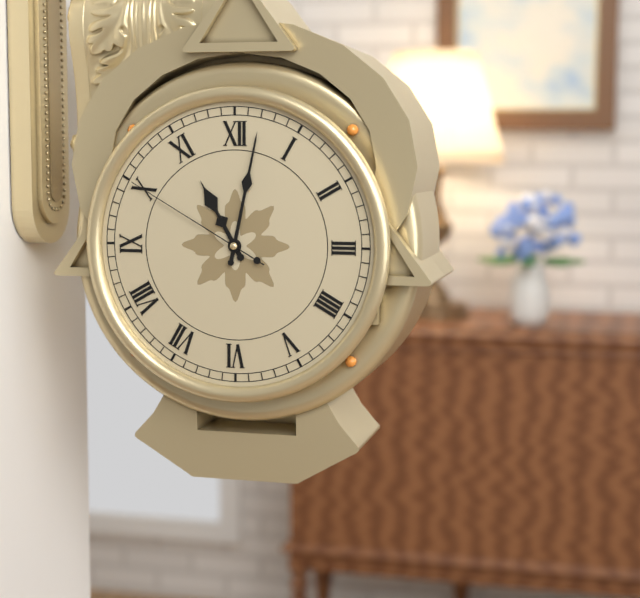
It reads **11:02:50**
